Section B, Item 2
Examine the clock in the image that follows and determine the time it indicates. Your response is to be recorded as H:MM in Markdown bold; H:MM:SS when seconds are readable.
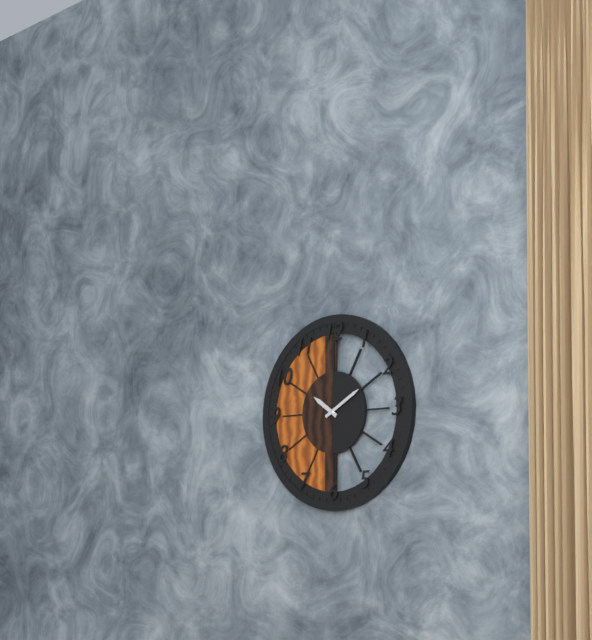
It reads **10:10**
